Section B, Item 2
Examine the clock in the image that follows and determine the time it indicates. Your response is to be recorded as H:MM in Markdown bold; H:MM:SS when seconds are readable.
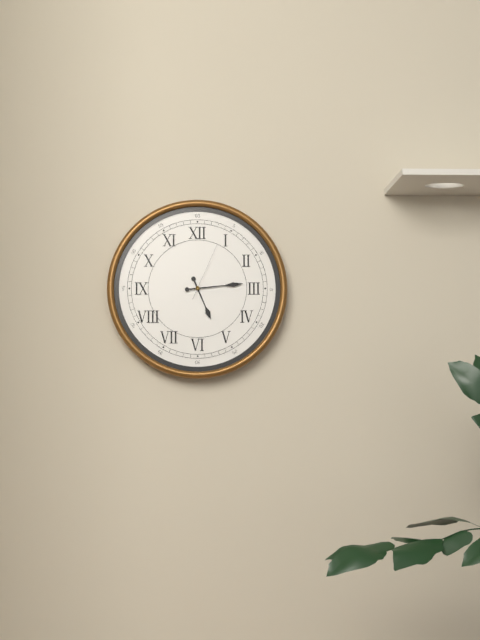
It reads **5:14:04**
